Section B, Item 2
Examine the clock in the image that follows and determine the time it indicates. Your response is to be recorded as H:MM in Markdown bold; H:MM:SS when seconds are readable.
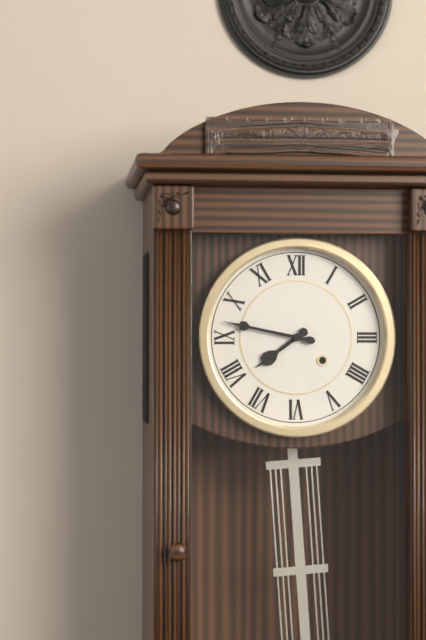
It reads **7:47**
